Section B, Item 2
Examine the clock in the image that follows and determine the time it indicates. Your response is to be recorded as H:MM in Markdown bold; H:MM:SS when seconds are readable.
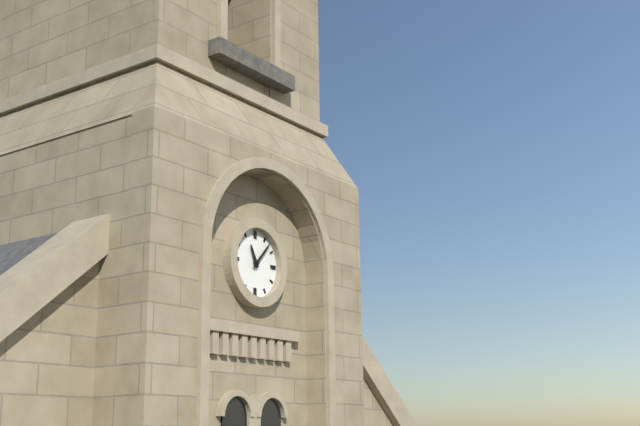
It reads **11:07**
